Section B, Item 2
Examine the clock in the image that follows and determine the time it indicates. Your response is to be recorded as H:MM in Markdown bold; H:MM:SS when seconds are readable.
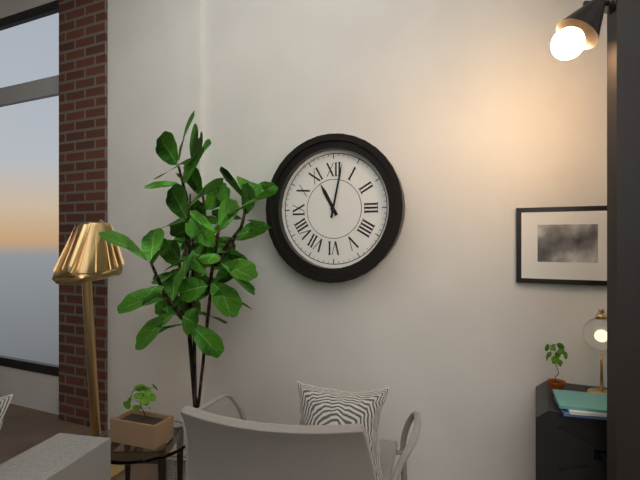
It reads **11:02**
